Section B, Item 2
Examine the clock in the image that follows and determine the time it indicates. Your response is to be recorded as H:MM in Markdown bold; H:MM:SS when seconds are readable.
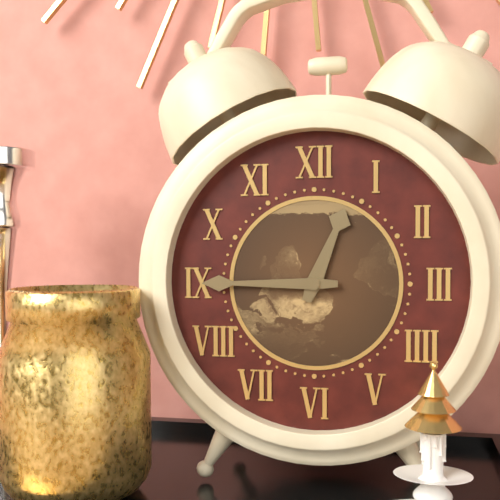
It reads **12:45**
